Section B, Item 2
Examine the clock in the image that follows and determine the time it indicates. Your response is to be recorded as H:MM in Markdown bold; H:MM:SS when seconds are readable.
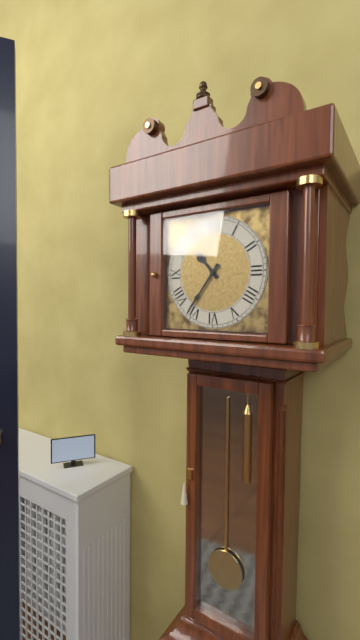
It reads **10:36**
